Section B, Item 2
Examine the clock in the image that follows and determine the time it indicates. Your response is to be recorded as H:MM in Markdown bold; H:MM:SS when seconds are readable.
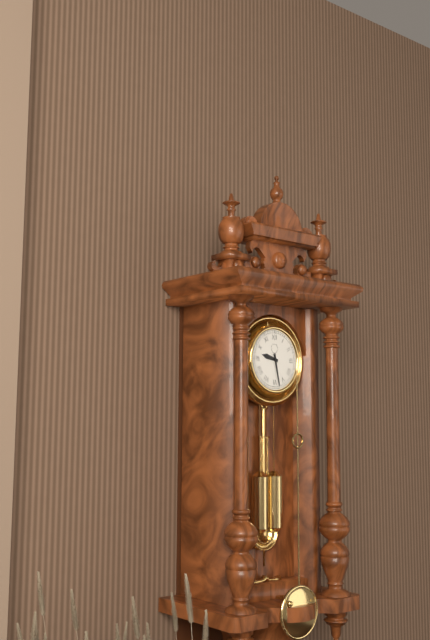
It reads **9:28**
